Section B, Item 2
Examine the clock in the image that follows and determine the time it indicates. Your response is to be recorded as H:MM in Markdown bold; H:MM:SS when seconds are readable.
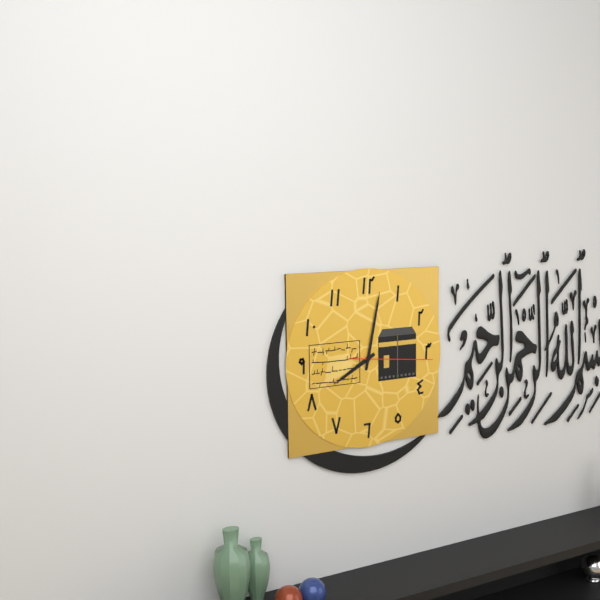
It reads **8:02:16**
